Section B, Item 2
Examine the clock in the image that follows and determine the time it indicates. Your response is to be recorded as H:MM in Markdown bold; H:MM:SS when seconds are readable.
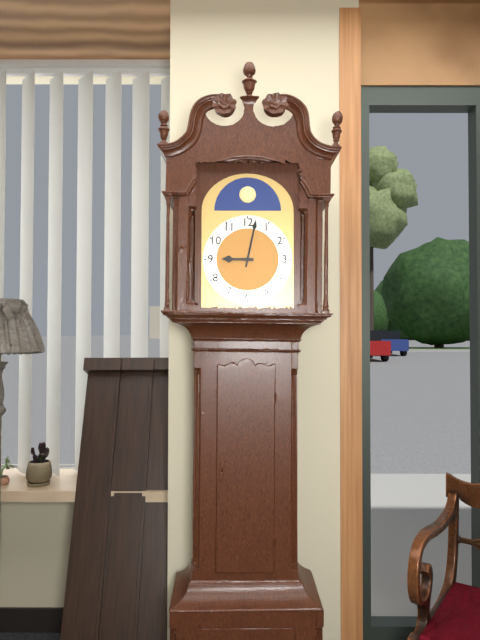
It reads **9:02**
